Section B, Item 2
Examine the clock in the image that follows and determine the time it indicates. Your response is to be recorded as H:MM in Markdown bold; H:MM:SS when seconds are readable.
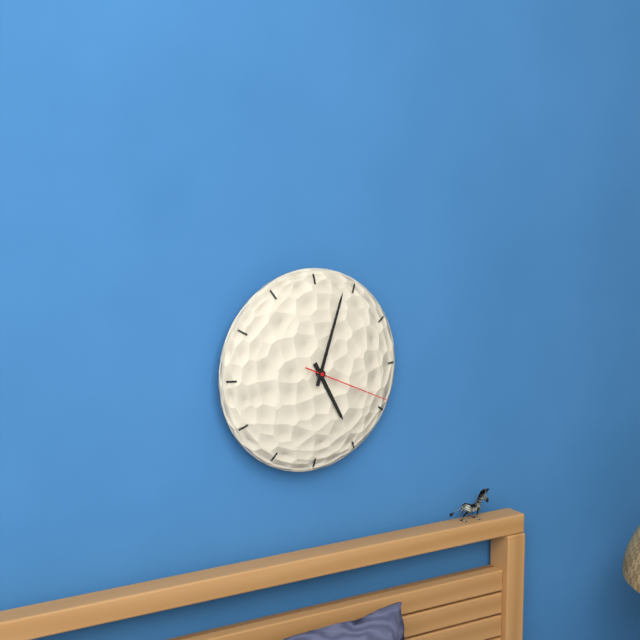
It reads **5:03:19**
